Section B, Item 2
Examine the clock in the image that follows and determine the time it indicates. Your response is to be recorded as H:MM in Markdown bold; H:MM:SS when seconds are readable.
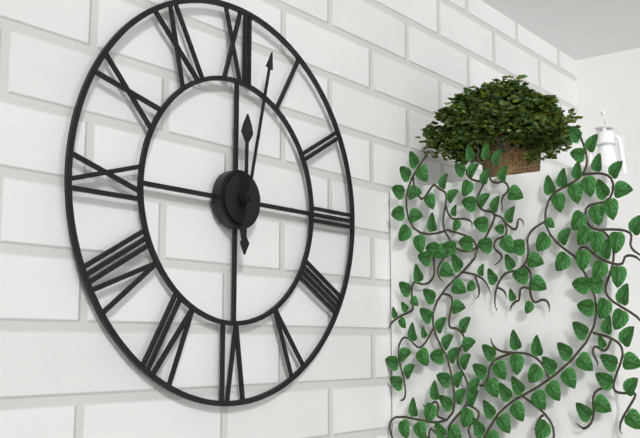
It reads **12:02**
